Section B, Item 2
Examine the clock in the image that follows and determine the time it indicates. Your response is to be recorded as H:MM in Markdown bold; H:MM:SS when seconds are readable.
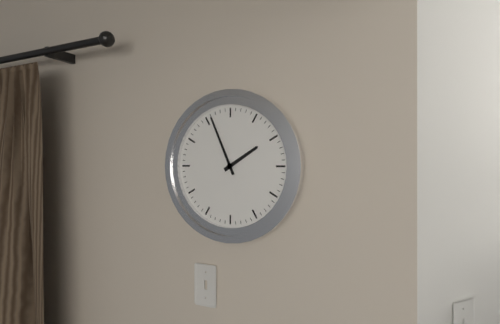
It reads **1:56**
